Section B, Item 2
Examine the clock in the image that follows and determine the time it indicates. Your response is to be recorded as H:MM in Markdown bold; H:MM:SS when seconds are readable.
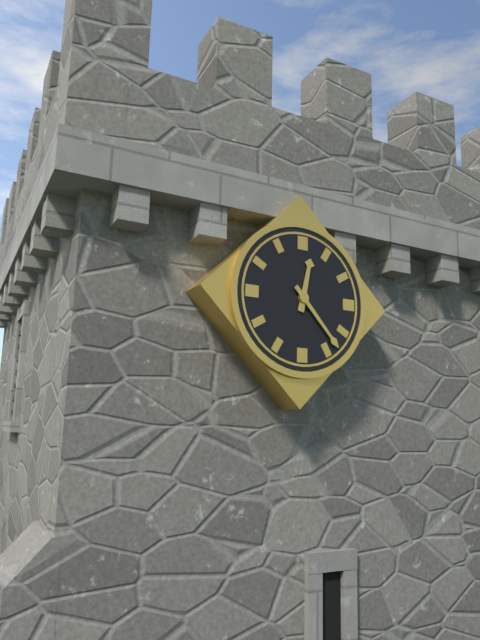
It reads **12:23**
